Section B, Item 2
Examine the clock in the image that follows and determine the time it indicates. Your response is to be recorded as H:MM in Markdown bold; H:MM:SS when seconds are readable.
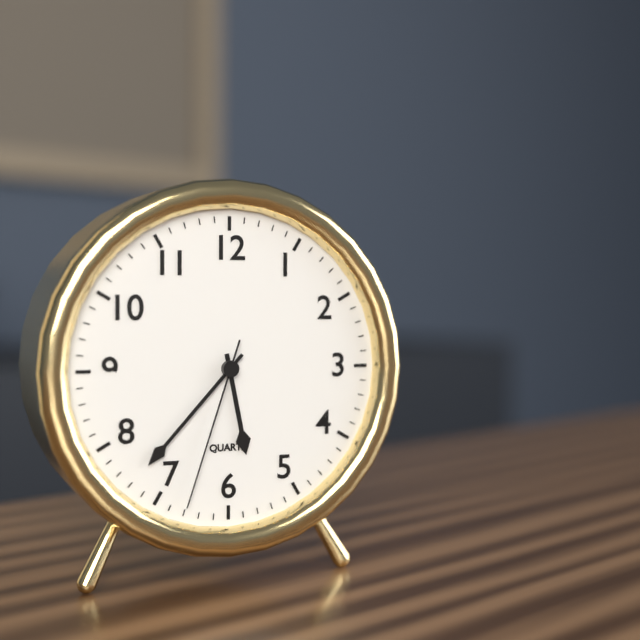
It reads **5:37:33**
